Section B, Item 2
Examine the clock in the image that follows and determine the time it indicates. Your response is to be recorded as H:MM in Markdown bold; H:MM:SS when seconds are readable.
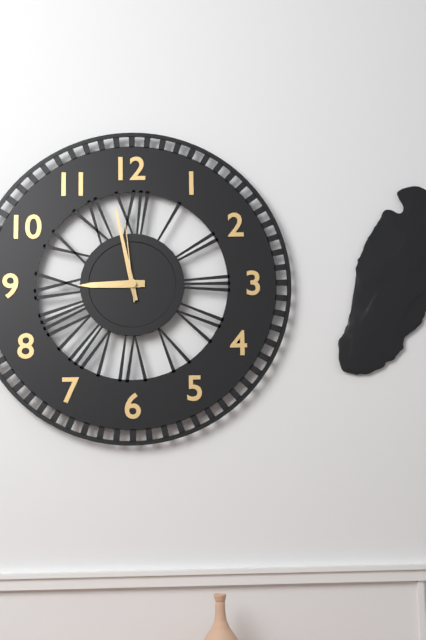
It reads **8:58:59**
